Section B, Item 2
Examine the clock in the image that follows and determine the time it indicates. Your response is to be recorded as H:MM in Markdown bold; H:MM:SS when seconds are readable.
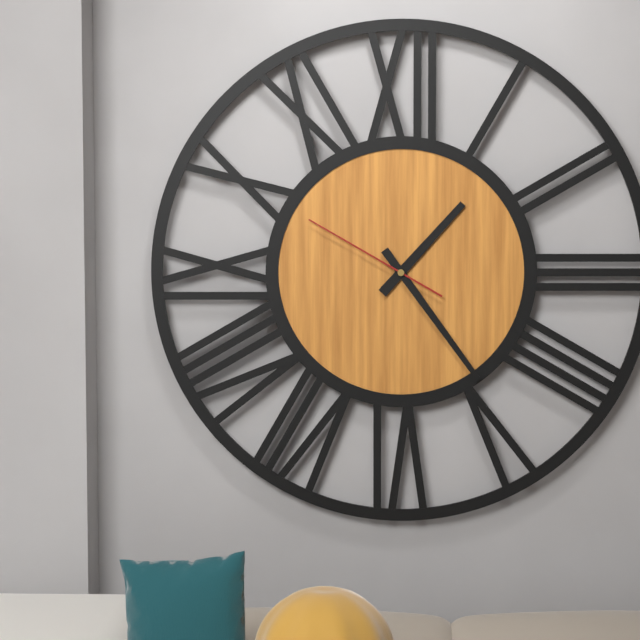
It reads **1:24:50**
